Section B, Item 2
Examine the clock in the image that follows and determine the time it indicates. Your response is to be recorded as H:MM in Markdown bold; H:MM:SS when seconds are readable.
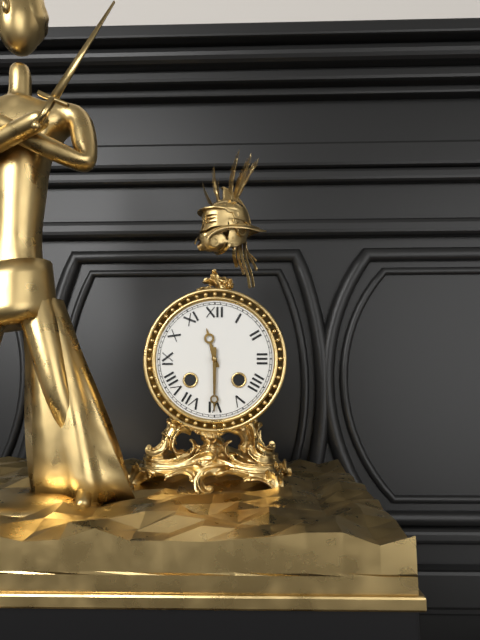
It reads **11:30**
